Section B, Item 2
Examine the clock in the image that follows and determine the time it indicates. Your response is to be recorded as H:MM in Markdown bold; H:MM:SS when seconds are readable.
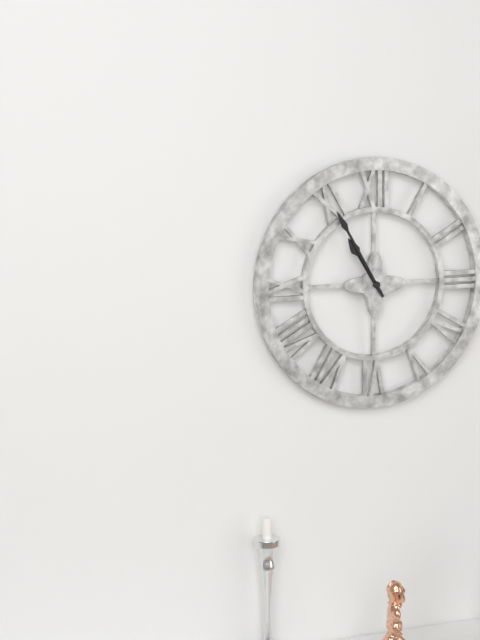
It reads **10:55**
